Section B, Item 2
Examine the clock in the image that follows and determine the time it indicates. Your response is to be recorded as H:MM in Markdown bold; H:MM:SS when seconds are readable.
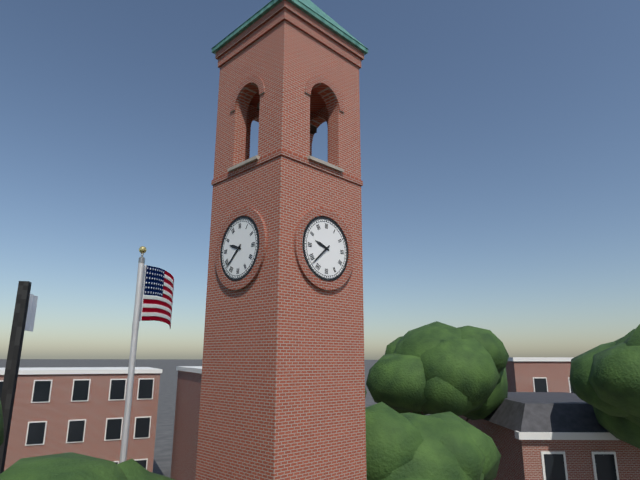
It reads **9:38**
